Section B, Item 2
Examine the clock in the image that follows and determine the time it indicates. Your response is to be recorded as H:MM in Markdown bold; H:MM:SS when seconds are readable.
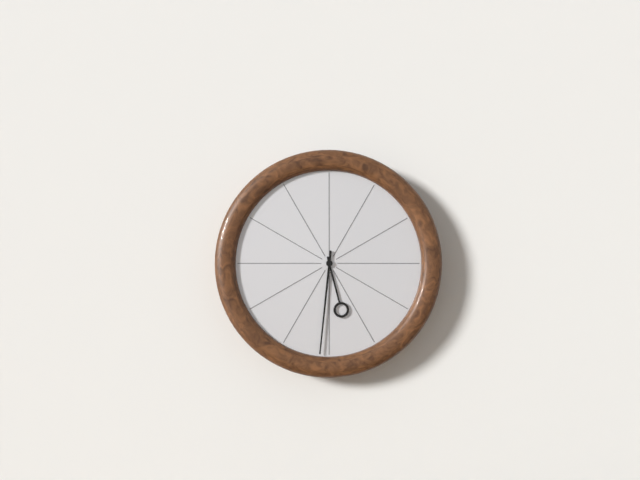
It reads **5:31**
